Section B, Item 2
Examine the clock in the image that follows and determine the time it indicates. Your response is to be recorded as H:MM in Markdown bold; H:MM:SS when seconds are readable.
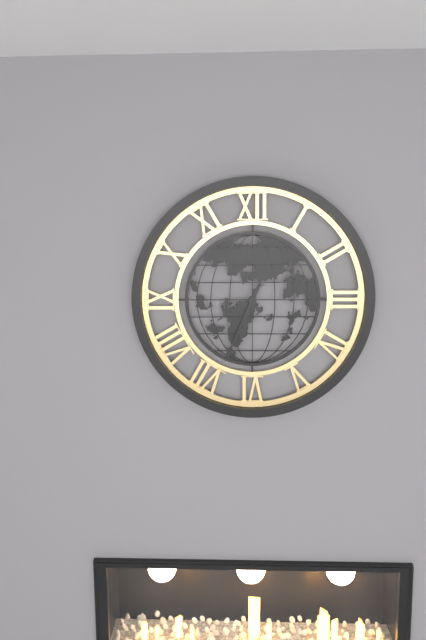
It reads **6:34**
